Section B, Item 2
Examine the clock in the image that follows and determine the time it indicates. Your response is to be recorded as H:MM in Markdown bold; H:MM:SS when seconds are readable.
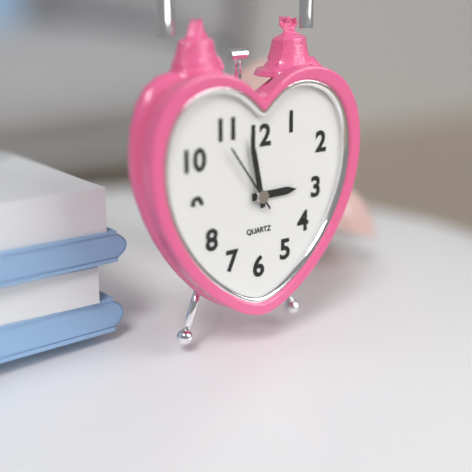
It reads **2:58:54**
